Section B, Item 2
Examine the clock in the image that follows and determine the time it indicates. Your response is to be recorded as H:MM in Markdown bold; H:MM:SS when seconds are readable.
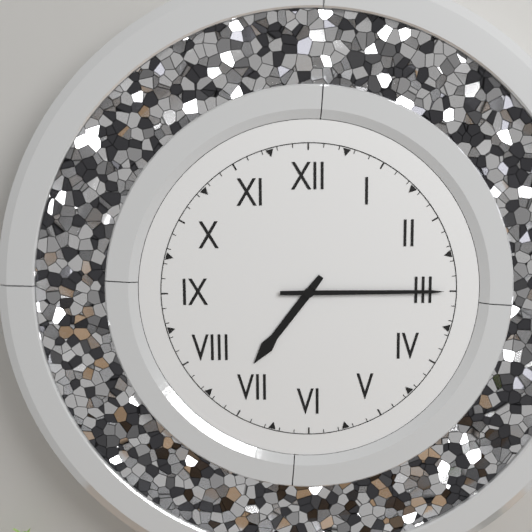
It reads **7:15**
